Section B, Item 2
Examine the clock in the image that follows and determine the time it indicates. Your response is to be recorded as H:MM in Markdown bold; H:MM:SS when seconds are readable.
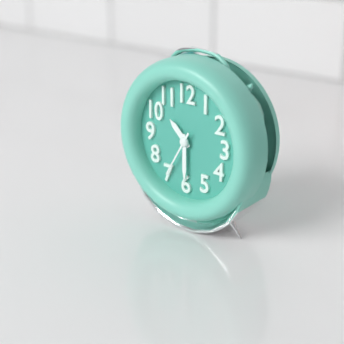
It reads **10:30**
